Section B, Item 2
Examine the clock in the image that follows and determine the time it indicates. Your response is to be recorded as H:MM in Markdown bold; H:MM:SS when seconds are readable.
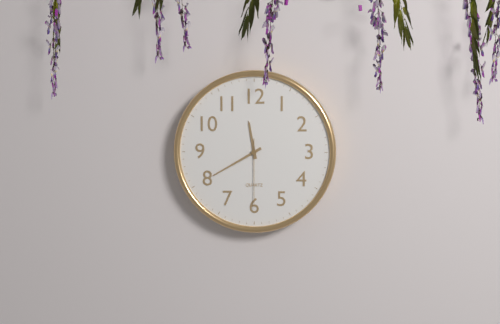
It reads **11:40:30**
